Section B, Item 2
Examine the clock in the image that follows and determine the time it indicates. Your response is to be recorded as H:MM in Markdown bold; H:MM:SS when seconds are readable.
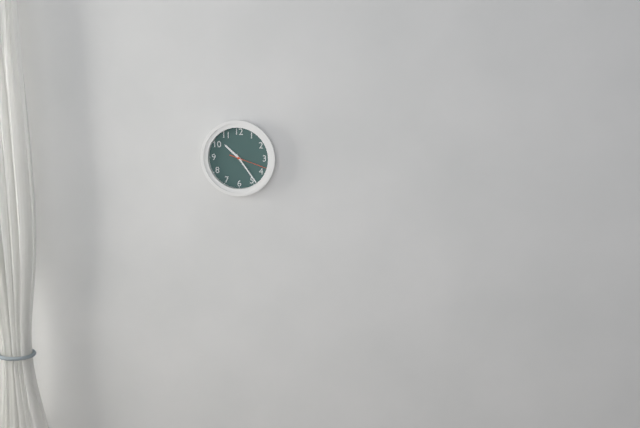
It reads **10:24**
